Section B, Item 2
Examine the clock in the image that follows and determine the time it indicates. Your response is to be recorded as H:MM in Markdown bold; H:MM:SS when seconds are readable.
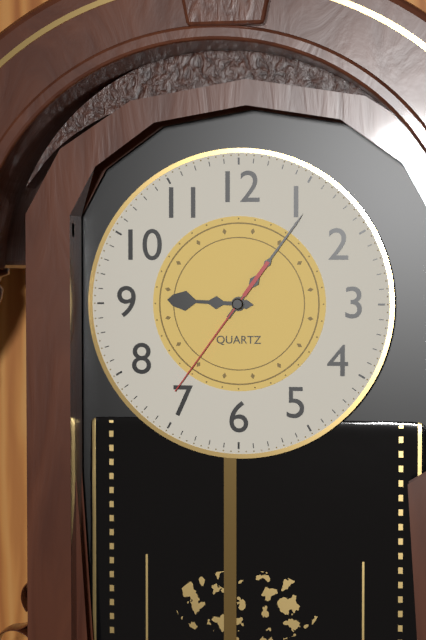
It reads **9:06:36**
